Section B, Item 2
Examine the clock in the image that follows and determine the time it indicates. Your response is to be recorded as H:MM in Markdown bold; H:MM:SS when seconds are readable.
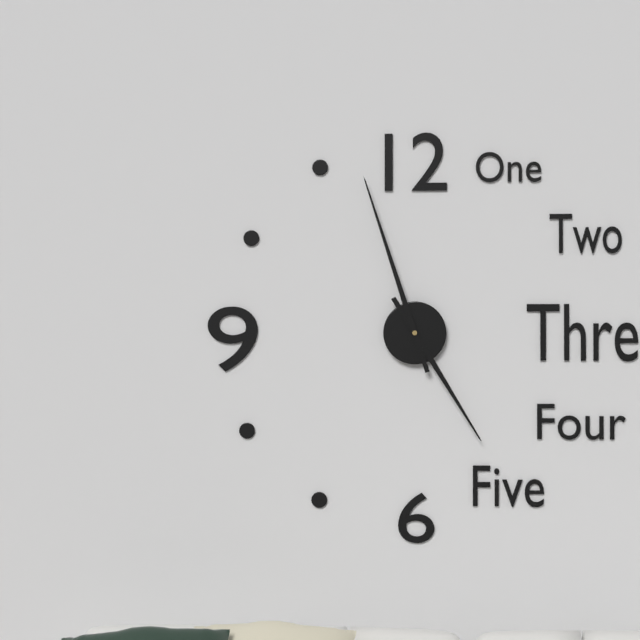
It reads **4:57**
